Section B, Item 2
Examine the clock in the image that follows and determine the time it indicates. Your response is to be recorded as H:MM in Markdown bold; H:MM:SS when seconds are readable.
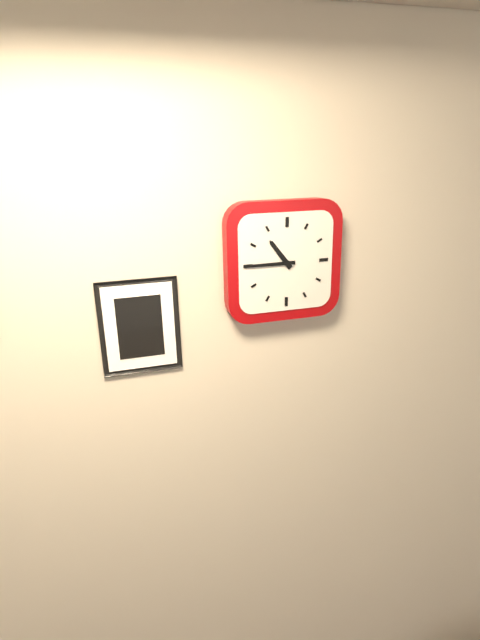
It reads **10:45**
